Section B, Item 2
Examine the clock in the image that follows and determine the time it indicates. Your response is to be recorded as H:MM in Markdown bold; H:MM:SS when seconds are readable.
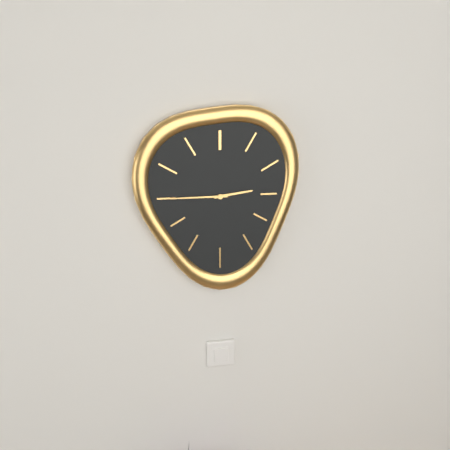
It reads **2:45**
